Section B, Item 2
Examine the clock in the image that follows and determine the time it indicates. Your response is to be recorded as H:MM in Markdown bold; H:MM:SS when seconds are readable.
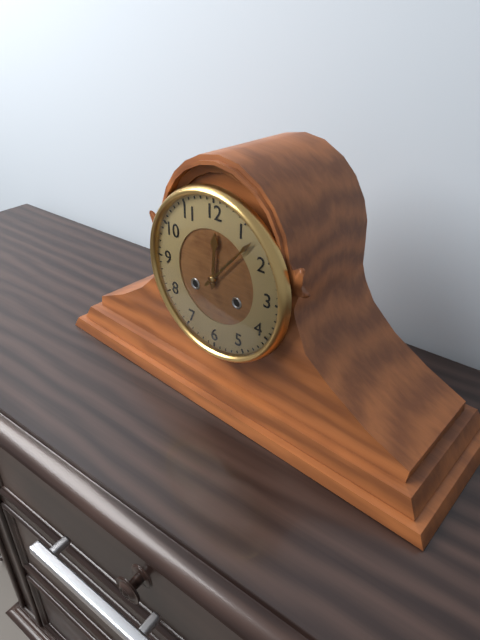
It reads **12:07**
